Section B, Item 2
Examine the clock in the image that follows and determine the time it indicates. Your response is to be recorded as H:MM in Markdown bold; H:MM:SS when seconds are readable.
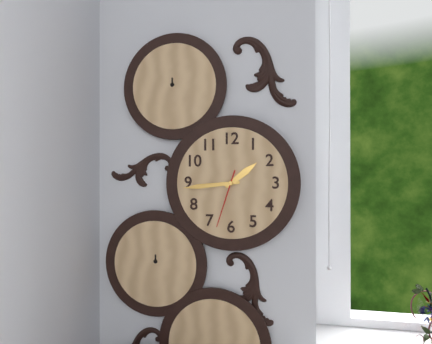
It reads **1:44:33**
